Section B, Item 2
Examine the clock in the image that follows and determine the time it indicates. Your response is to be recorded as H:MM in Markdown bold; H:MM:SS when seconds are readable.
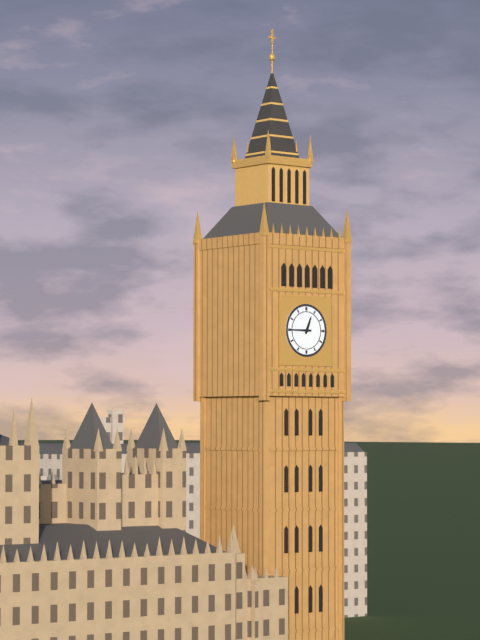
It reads **12:45**
